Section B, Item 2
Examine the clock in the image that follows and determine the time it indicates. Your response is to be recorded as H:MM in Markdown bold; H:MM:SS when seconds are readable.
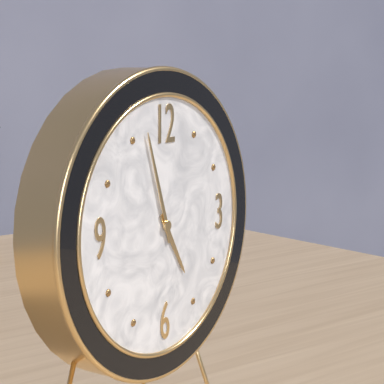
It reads **4:57**
